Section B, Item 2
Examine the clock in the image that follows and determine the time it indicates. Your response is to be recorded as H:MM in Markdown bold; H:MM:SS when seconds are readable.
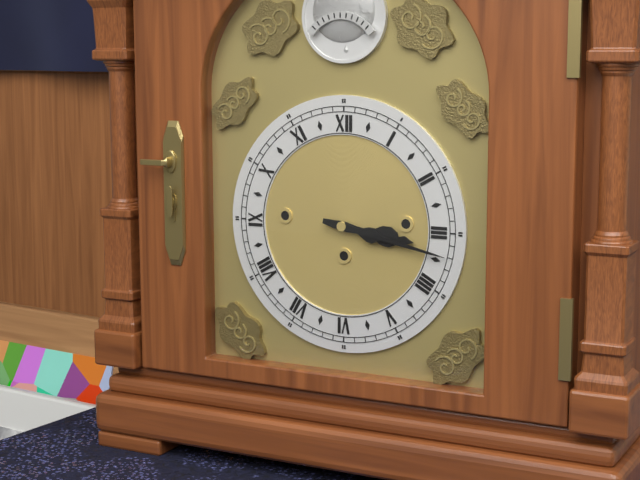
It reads **3:17**
